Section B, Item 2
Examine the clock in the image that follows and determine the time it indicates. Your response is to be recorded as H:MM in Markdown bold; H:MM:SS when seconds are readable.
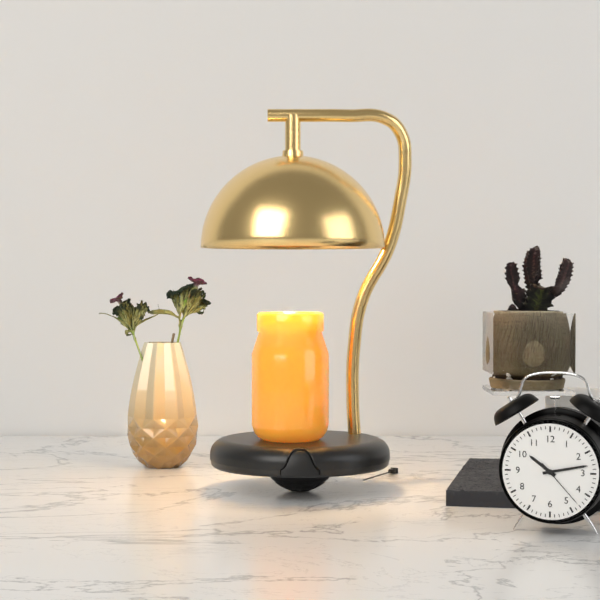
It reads **10:13:23**
